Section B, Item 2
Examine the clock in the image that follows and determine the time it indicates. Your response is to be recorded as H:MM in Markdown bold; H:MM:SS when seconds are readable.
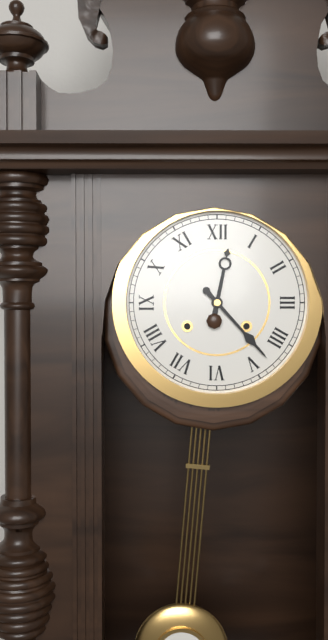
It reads **12:23**
